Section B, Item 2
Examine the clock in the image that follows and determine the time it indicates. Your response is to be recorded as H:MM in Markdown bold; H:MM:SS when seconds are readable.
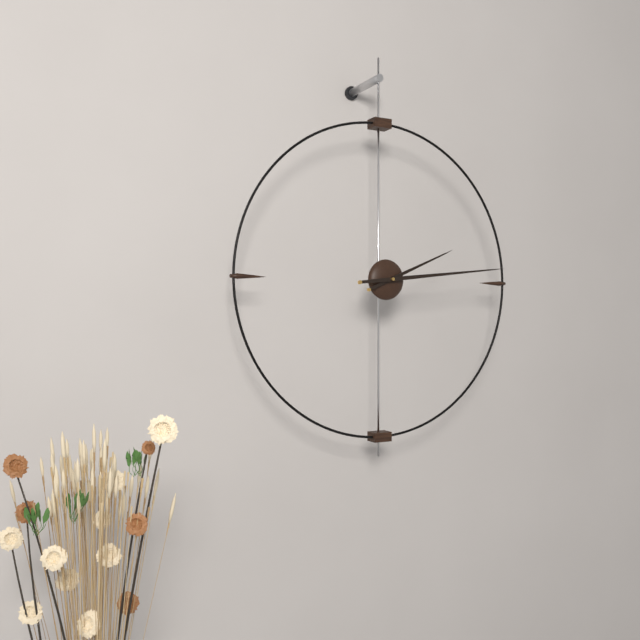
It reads **2:14**
